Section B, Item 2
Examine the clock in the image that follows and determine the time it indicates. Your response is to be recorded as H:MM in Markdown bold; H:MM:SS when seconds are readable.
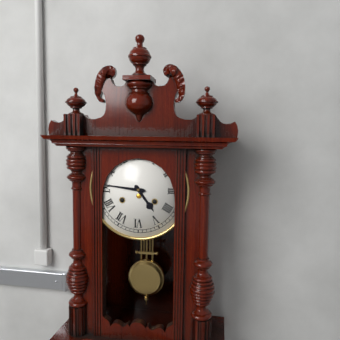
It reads **4:46**
